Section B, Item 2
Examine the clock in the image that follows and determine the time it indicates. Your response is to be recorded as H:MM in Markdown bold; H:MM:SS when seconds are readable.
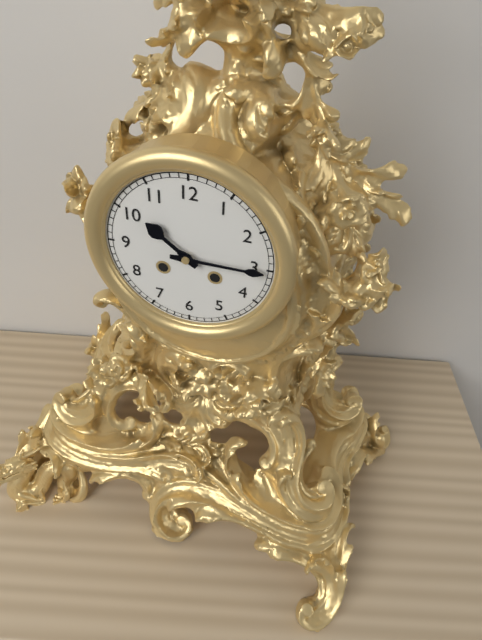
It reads **10:15**
